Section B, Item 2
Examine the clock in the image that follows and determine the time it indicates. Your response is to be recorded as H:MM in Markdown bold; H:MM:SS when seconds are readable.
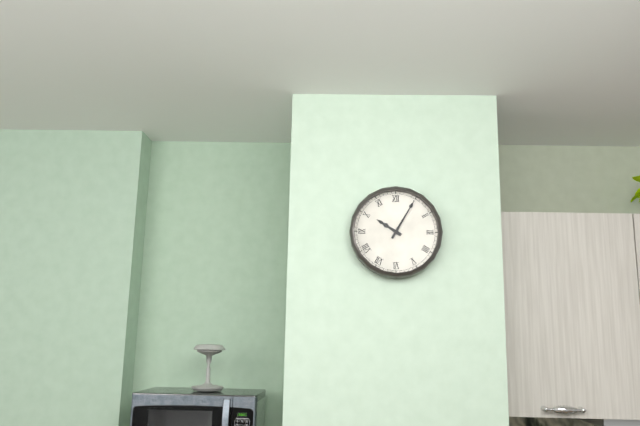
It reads **10:05**
